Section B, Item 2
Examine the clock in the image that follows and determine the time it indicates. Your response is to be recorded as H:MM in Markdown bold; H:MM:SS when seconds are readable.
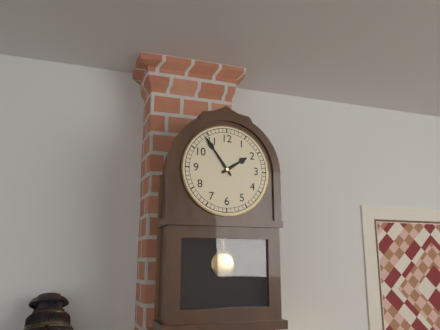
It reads **1:54**
